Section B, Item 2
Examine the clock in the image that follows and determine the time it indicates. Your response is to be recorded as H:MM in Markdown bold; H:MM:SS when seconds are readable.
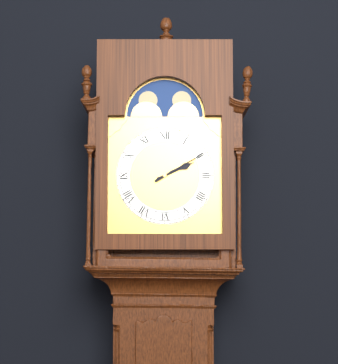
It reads **2:10**
